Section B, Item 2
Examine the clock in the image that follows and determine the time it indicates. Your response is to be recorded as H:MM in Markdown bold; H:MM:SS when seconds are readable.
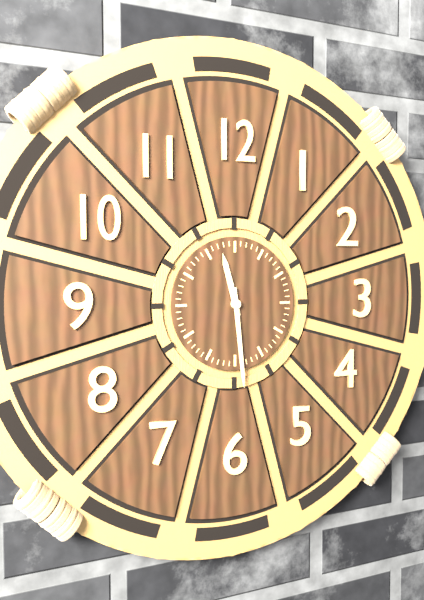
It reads **11:29**
